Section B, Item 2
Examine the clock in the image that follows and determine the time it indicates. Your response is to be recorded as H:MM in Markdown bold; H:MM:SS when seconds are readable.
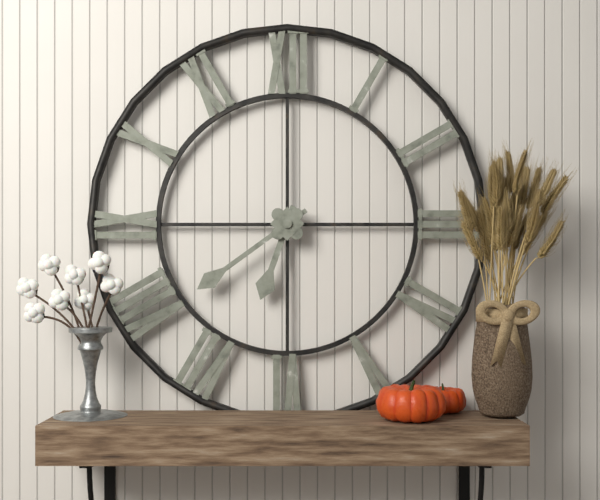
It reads **6:39**
